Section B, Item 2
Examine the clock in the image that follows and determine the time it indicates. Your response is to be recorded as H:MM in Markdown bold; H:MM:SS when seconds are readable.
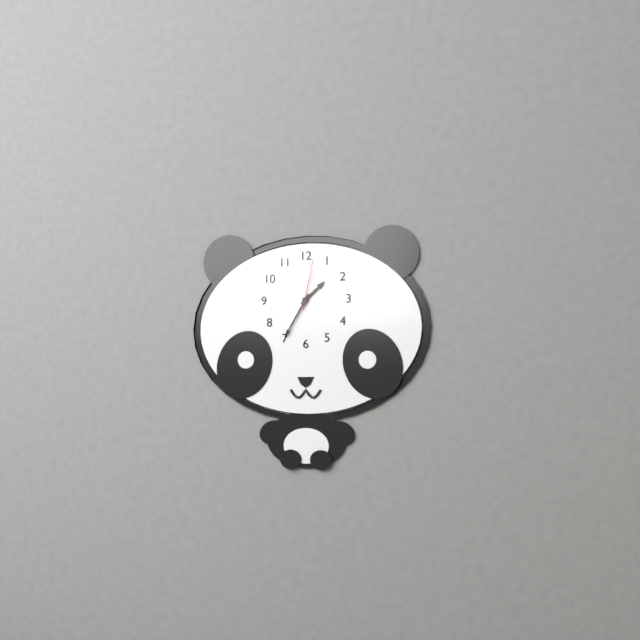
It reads **1:35:02**
